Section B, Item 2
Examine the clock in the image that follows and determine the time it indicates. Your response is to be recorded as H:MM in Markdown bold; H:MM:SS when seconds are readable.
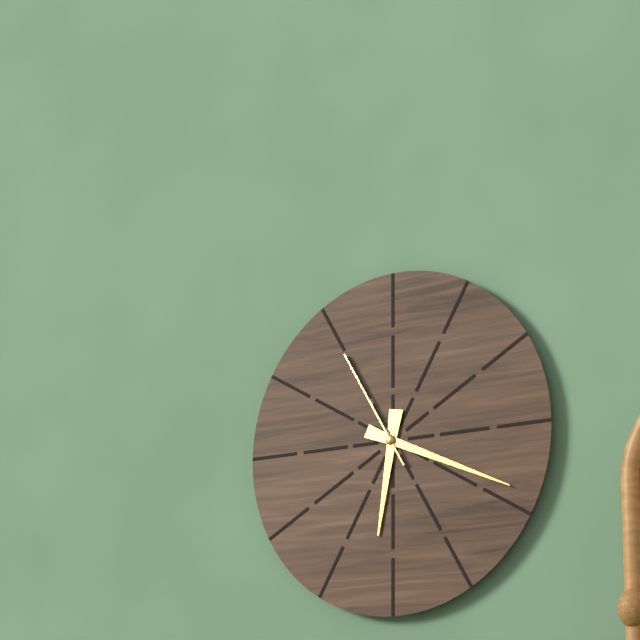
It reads **6:19:55**
